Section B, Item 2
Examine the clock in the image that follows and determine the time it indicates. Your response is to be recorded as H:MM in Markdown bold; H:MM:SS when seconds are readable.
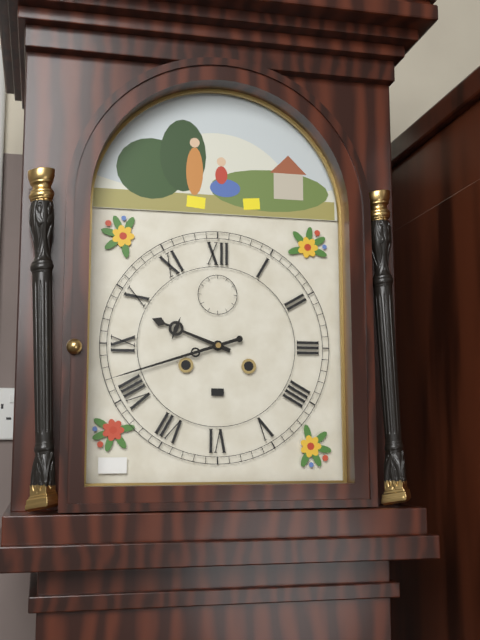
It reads **9:42**
